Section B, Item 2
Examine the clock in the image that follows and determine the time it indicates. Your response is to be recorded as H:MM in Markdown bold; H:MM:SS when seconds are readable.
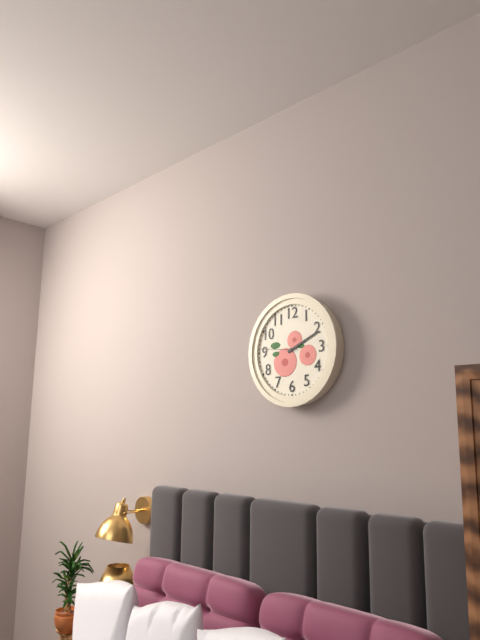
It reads **2:11**
